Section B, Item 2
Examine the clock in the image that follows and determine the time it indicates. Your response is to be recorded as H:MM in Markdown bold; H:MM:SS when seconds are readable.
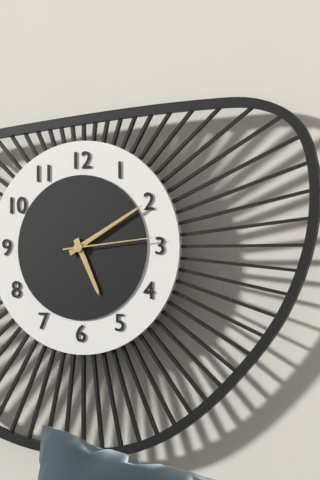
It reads **5:10:14**
